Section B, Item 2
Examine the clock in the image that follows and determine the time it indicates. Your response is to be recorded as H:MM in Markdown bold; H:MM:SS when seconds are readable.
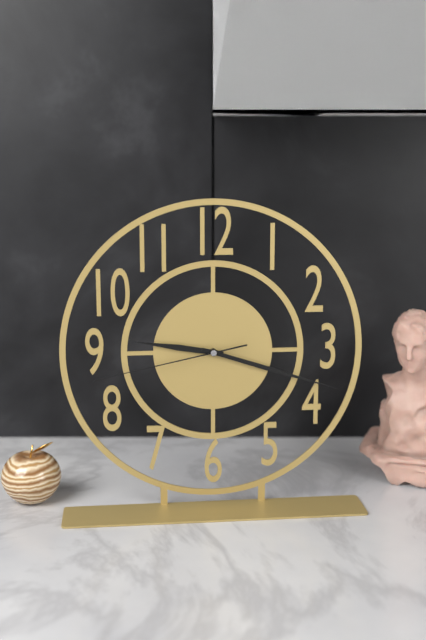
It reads **9:18:43**
